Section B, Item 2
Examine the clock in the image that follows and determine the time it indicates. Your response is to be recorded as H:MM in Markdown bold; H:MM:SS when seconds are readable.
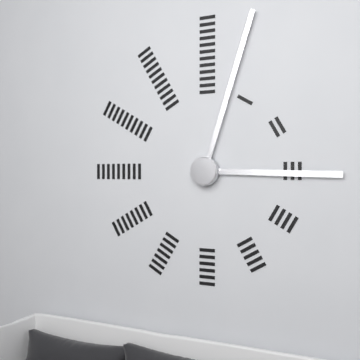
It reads **3:03**
